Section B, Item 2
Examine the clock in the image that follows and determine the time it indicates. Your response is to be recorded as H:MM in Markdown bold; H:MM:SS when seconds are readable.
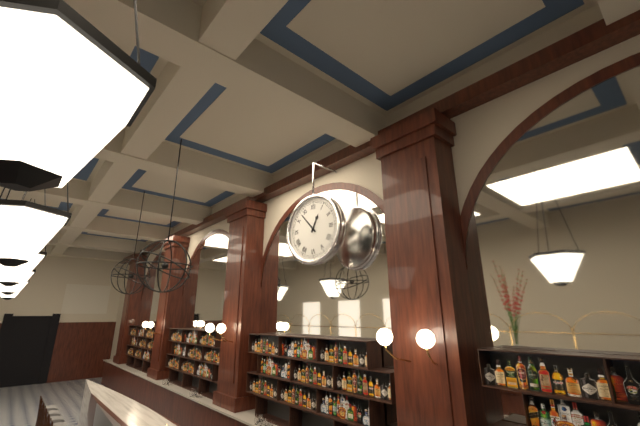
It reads **12:53**
